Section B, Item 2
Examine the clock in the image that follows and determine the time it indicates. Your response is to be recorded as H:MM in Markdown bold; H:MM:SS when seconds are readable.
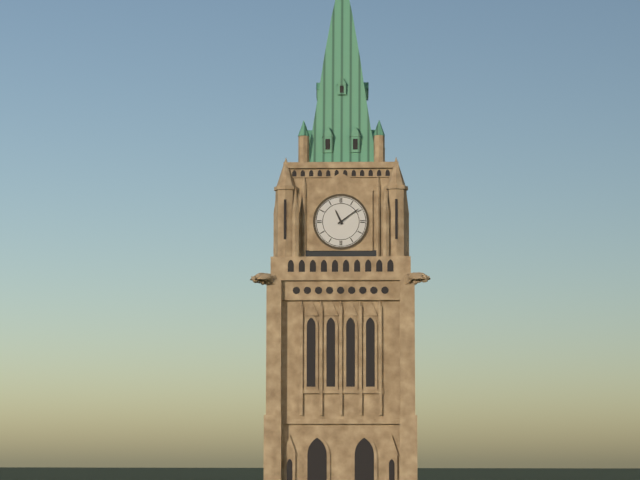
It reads **11:09**
